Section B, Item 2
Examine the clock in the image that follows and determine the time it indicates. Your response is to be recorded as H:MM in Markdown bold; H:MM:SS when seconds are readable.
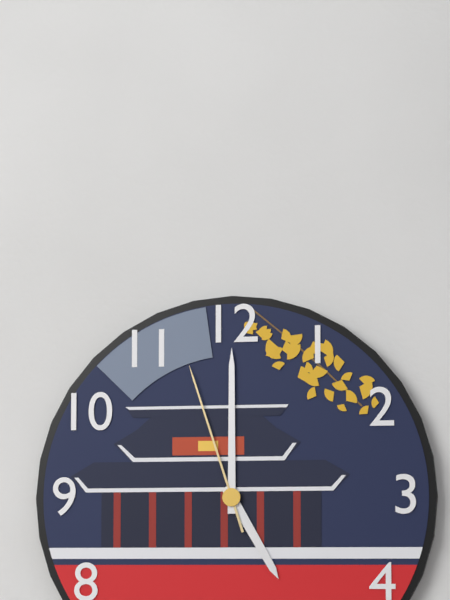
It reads **5:00:57**
